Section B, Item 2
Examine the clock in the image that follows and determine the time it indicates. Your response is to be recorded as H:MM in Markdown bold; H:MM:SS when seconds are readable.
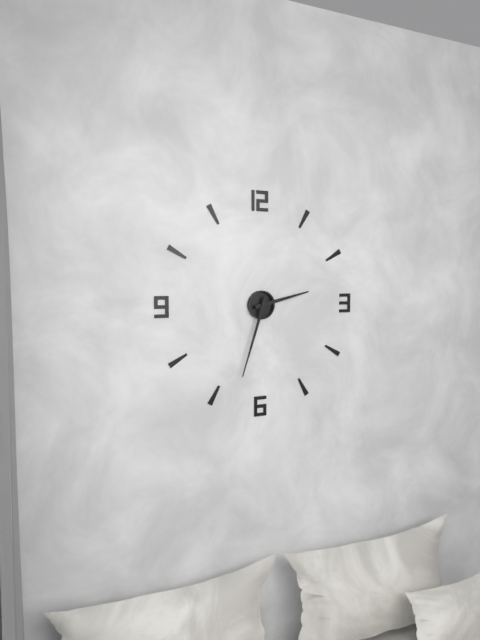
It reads **2:33**
